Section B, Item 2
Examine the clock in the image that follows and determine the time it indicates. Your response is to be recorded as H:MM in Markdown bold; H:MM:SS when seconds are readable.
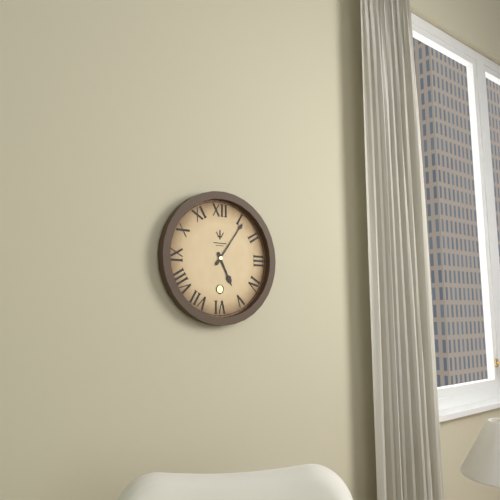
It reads **5:06**
